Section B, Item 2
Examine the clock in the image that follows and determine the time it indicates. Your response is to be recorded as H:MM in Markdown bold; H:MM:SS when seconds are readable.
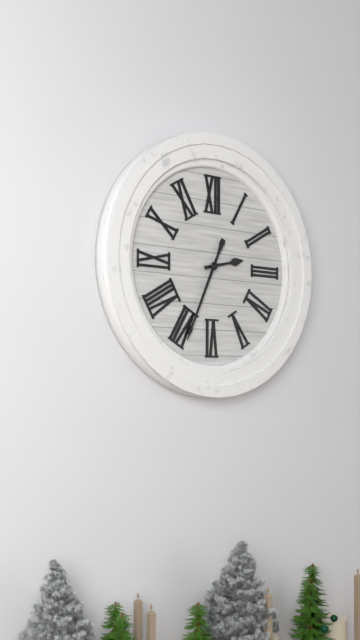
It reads **2:34**
